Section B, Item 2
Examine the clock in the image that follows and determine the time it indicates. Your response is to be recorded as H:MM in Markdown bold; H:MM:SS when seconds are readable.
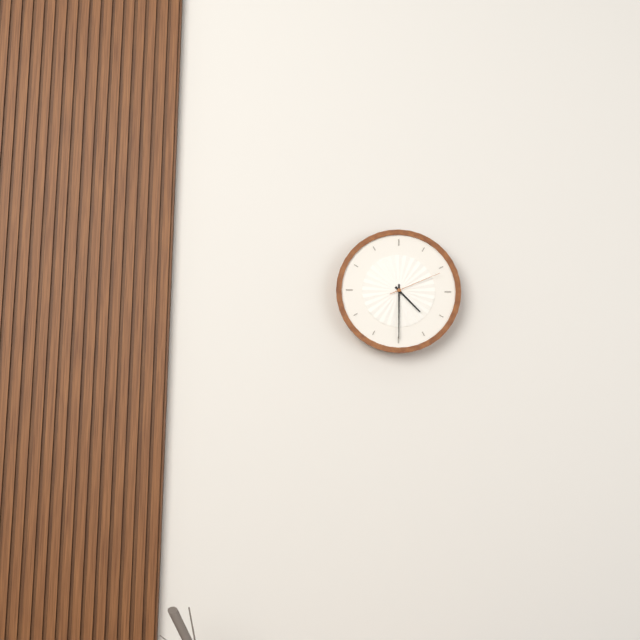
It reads **4:30:11**
